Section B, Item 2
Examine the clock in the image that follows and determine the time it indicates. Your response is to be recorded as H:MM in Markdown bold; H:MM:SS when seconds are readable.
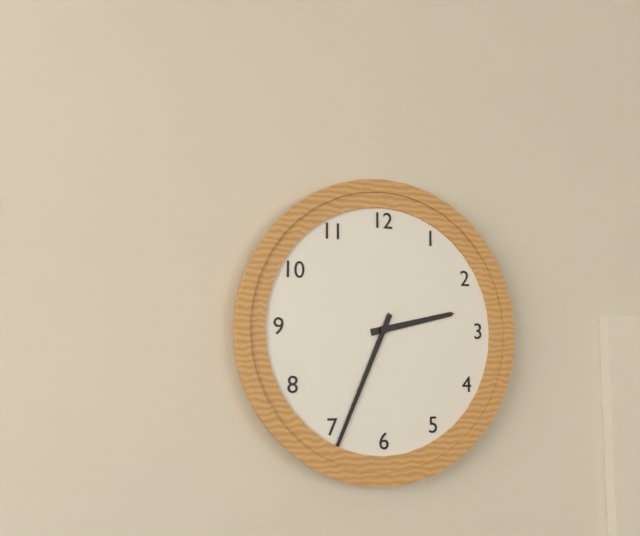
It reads **2:34**
